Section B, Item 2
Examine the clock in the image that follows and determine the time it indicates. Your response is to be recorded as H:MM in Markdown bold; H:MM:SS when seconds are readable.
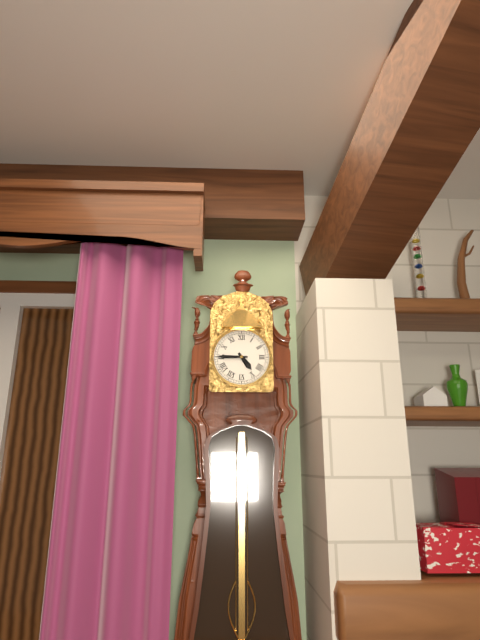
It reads **4:45**
